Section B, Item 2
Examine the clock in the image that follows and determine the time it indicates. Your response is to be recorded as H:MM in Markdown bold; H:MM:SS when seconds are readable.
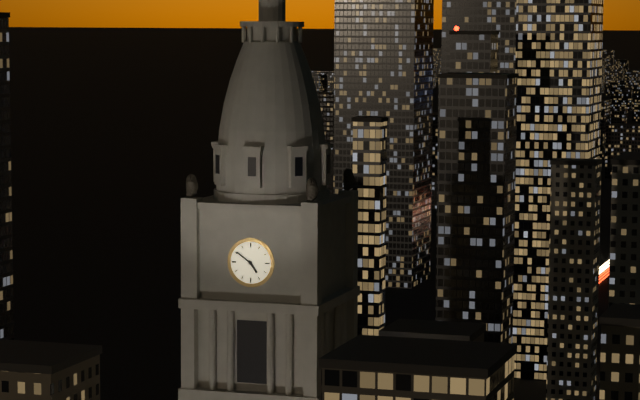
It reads **4:51**
